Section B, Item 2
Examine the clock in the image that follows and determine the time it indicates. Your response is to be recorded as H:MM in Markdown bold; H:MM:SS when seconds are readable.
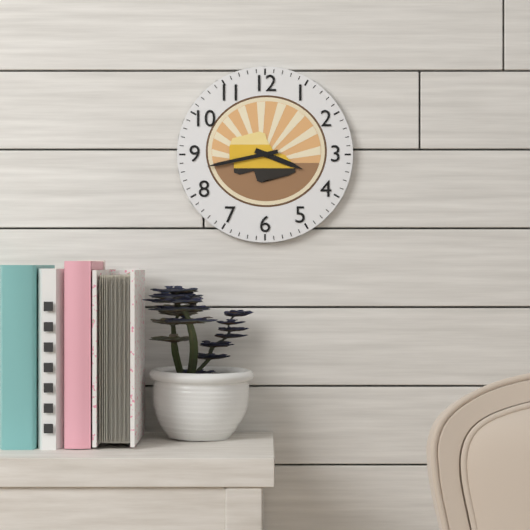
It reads **3:43**
